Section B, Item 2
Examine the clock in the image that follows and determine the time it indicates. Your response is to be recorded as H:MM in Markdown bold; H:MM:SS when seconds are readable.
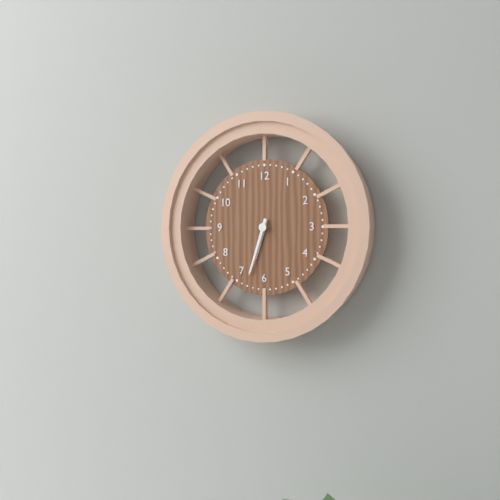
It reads **6:33**
